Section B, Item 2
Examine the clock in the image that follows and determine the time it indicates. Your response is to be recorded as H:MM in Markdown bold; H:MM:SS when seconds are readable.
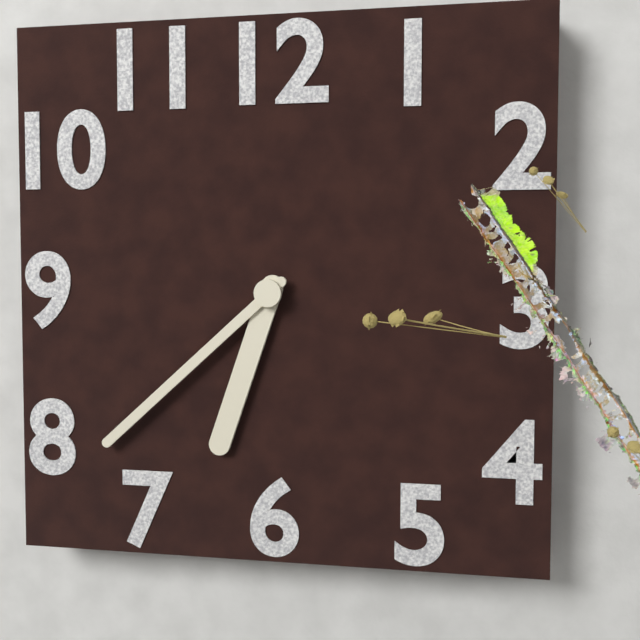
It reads **6:38**
